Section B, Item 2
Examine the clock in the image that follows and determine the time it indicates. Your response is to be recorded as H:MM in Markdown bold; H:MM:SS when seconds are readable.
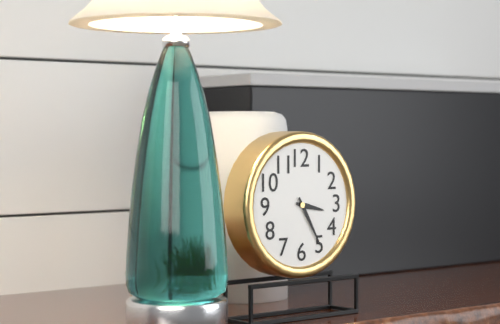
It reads **3:25**
